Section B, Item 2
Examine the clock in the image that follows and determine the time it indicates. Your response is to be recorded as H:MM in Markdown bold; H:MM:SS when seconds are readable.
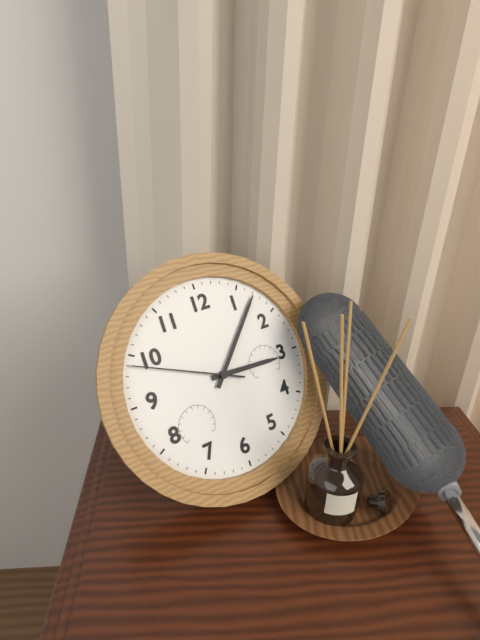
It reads **3:07:49**
